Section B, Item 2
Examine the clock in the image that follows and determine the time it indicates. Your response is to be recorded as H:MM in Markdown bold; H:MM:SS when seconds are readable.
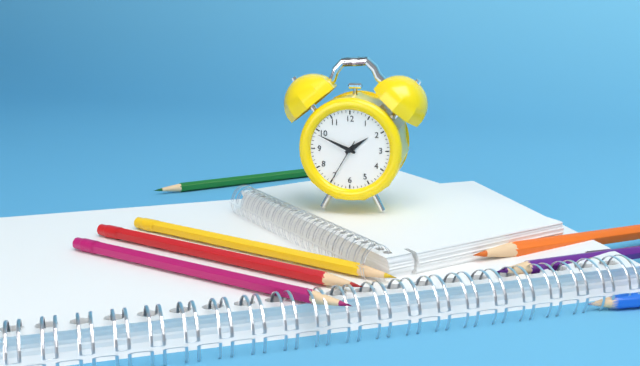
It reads **1:49**
